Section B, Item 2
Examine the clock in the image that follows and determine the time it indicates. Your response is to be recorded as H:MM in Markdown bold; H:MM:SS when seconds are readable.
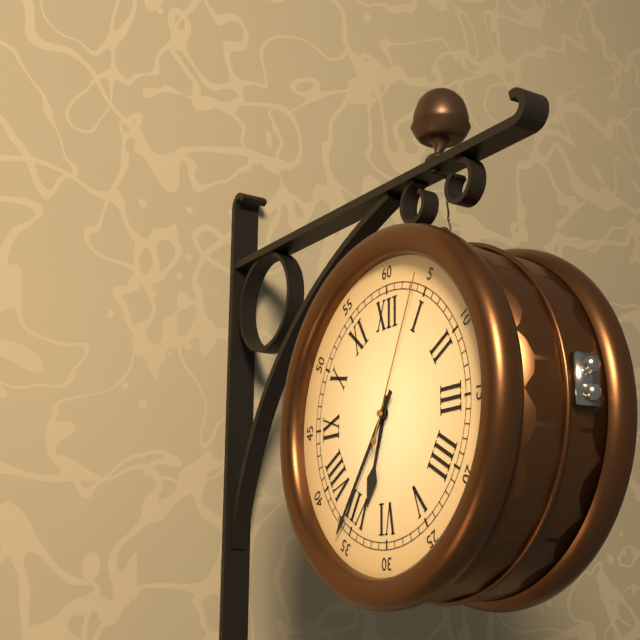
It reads **6:36:04**
